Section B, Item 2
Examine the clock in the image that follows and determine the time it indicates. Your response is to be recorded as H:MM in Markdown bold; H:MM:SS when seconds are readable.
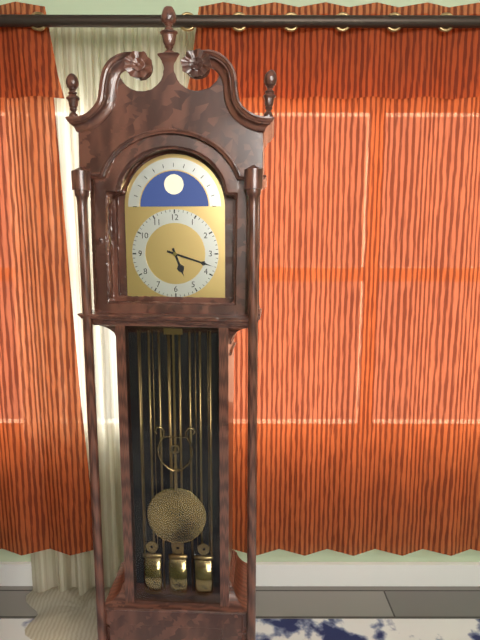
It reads **5:18**
